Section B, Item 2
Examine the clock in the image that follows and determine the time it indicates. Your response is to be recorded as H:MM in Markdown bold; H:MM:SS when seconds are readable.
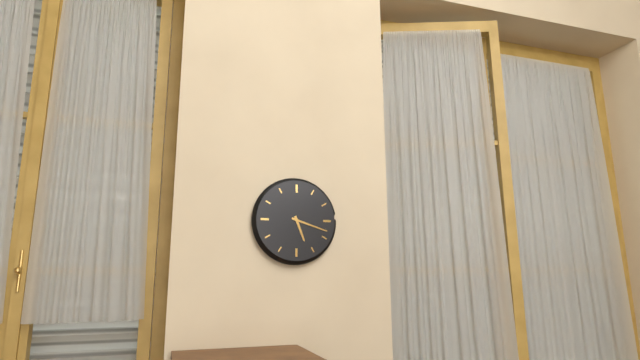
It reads **5:18**
